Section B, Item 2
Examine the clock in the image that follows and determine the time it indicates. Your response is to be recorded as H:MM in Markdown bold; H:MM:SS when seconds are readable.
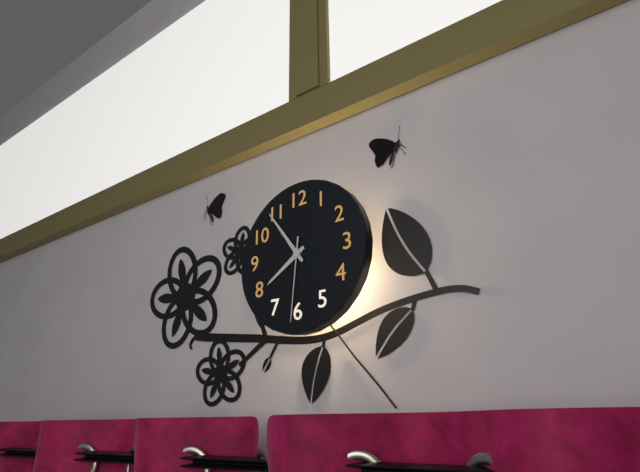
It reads **7:54:31**
